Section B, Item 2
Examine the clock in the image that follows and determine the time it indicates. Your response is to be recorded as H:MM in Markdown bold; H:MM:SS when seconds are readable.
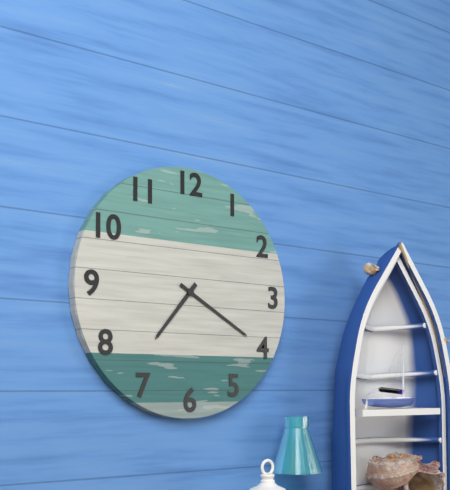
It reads **7:20**
